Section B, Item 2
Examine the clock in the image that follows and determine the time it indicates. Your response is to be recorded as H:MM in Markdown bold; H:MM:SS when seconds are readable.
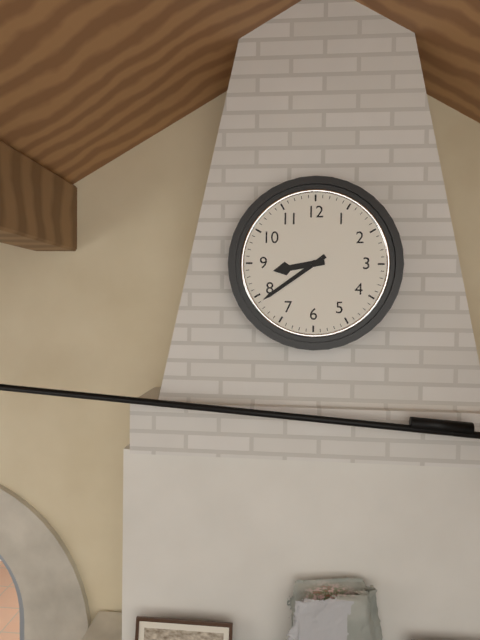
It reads **8:39**
